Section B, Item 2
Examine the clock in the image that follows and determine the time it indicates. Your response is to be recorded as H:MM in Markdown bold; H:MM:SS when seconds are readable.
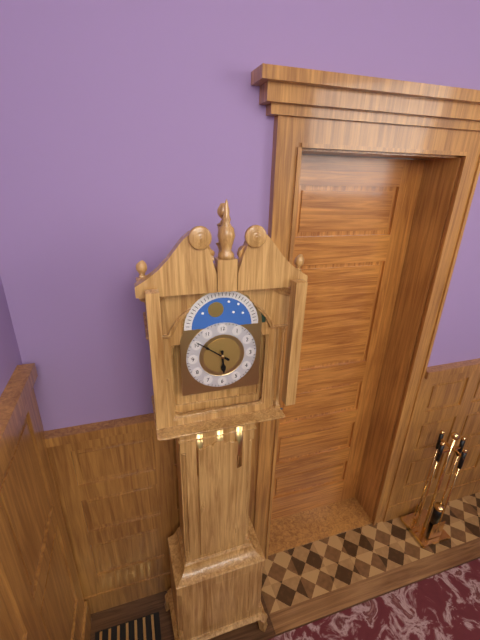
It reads **5:51**
